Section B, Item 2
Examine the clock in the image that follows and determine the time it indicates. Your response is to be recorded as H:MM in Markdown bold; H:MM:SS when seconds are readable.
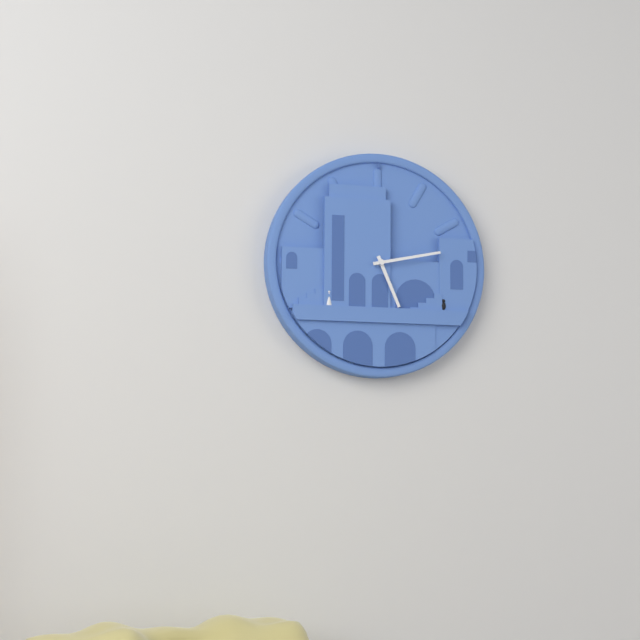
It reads **5:13**
